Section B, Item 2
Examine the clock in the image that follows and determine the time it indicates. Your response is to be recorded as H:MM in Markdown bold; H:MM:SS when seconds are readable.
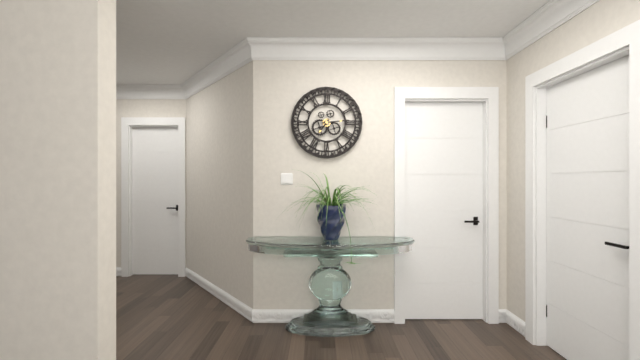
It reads **7:14**
